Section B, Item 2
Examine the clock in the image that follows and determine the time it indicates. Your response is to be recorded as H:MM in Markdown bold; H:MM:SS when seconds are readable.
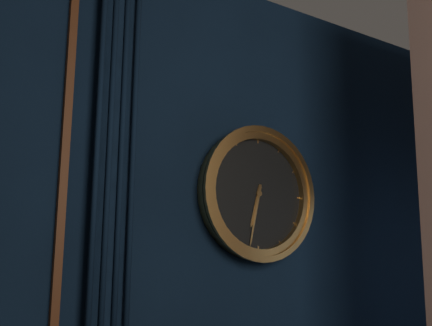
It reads **6:32**
